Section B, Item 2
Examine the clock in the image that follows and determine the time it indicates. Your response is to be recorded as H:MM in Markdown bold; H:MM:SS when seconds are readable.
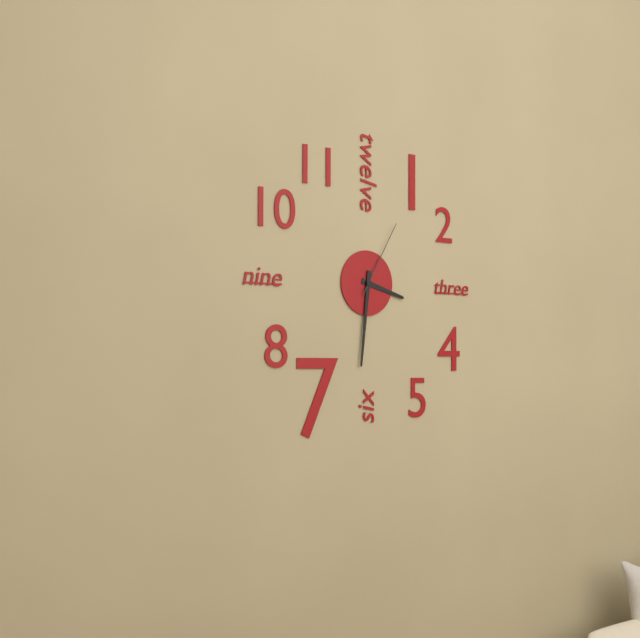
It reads **3:31:05**
